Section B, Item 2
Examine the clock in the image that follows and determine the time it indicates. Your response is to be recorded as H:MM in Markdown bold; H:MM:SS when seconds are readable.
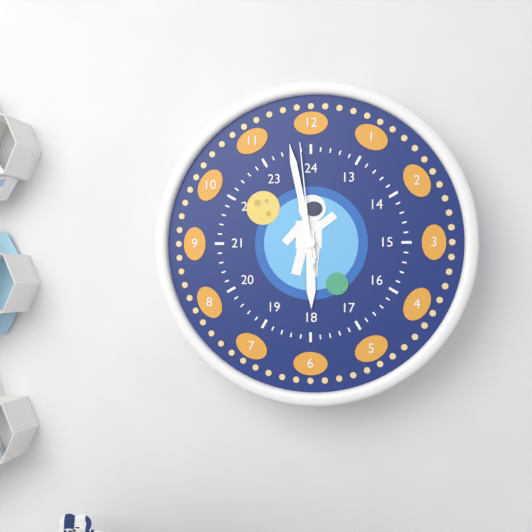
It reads **5:58:59**
